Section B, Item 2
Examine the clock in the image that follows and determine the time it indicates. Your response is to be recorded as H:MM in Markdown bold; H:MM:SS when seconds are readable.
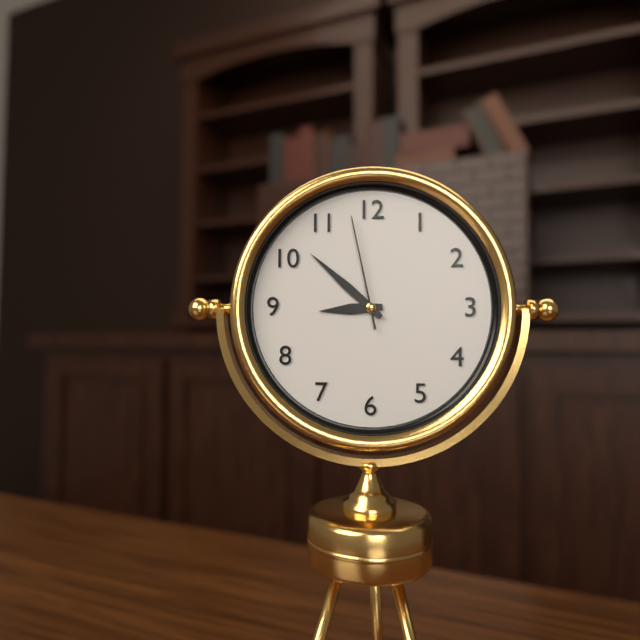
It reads **8:52:58**
